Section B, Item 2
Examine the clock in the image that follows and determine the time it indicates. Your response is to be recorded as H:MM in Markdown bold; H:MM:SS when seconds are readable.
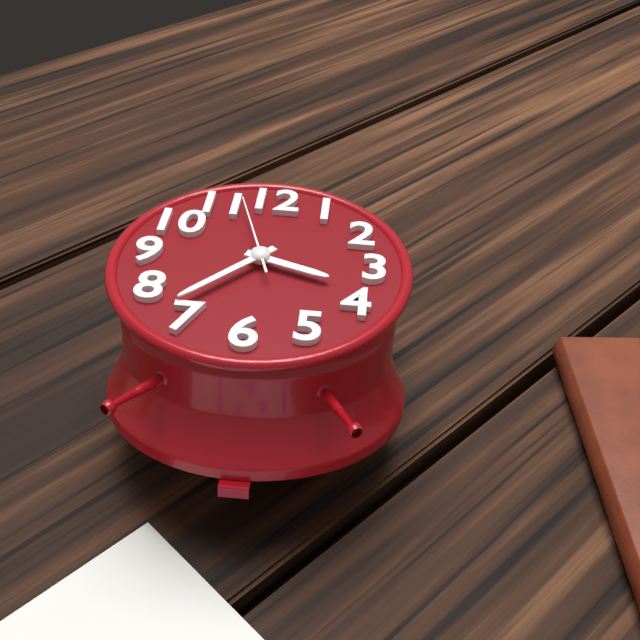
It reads **3:37:57**
